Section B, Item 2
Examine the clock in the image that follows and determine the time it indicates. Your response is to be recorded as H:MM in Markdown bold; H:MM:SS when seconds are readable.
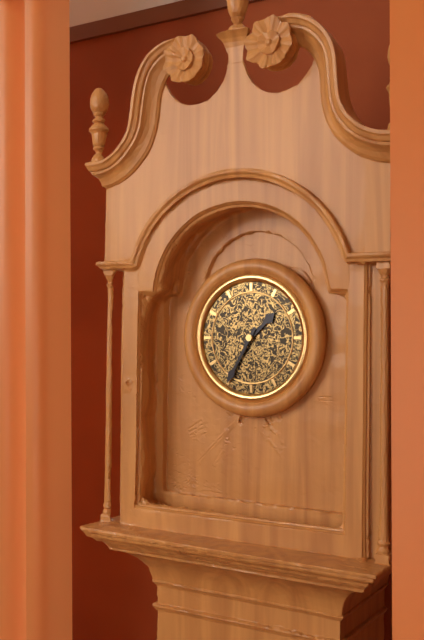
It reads **1:35**
